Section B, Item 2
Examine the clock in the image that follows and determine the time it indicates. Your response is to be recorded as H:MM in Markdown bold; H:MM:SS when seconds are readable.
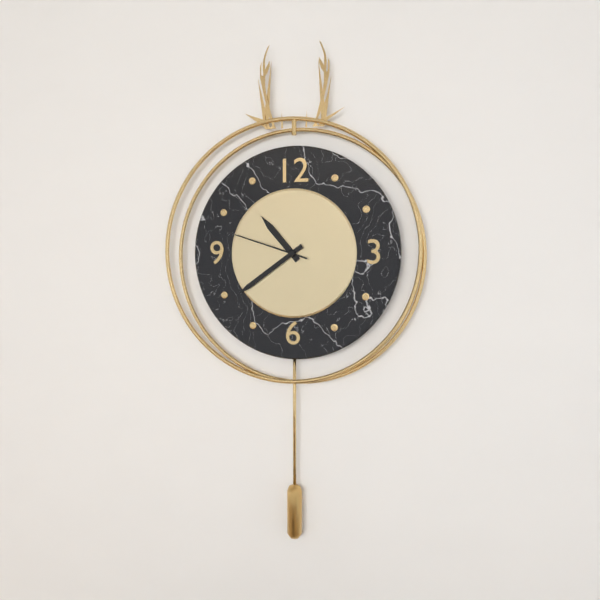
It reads **10:39:48**
